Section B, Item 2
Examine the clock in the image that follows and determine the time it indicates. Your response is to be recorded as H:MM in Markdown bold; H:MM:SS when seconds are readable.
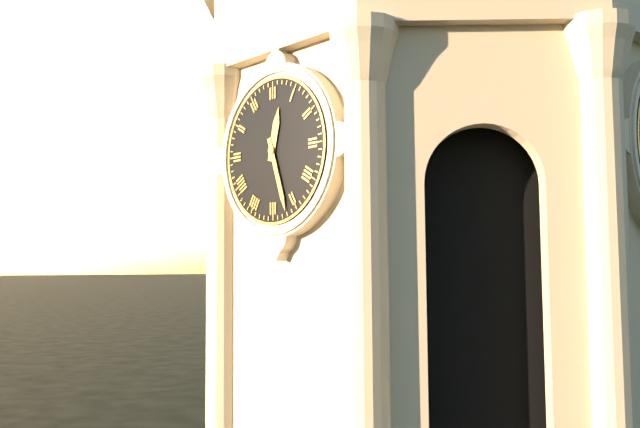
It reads **12:27**
